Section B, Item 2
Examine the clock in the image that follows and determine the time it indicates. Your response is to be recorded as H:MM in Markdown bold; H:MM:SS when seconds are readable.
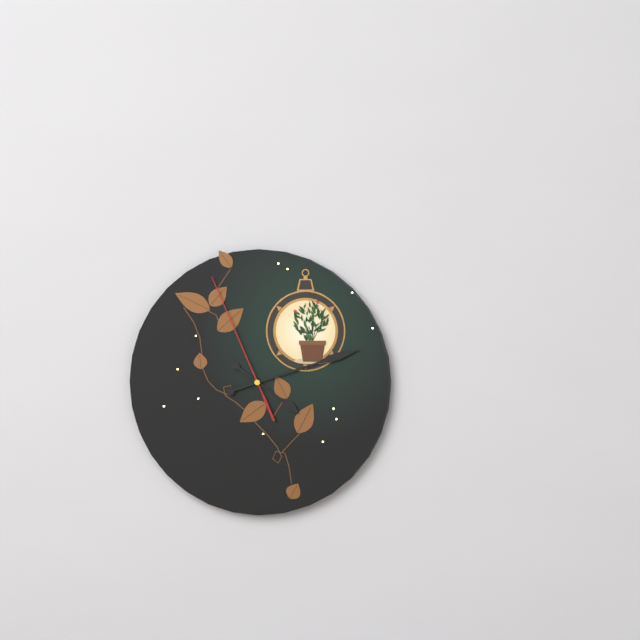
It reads **4:12:56**
